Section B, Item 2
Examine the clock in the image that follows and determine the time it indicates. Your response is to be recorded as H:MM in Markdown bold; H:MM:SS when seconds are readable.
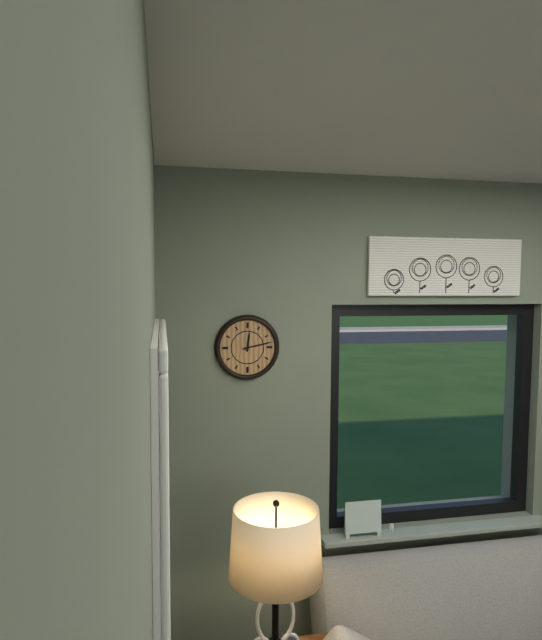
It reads **12:13**
